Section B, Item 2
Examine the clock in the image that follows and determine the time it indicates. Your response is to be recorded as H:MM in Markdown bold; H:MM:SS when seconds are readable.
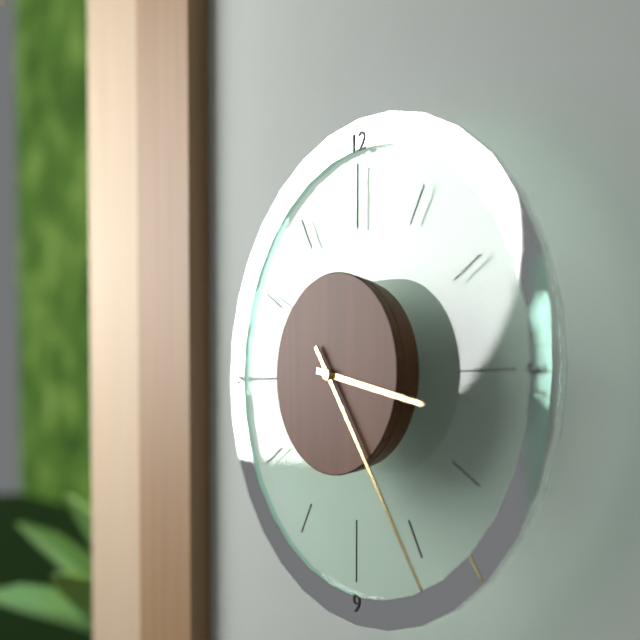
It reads **3:24**
